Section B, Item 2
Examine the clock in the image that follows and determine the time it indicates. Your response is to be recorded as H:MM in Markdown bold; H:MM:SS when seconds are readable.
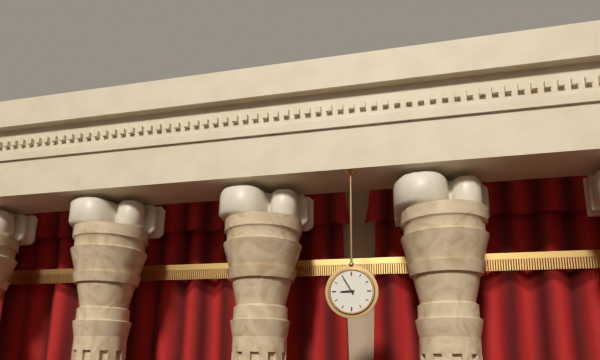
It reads **8:55**
